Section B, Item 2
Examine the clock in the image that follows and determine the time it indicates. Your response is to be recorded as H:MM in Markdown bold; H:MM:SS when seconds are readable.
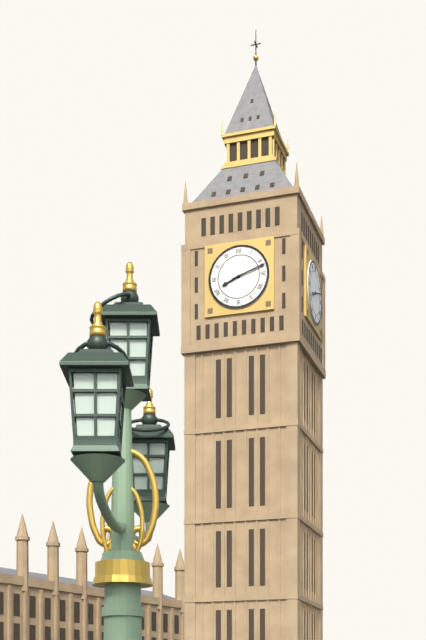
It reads **8:12**
